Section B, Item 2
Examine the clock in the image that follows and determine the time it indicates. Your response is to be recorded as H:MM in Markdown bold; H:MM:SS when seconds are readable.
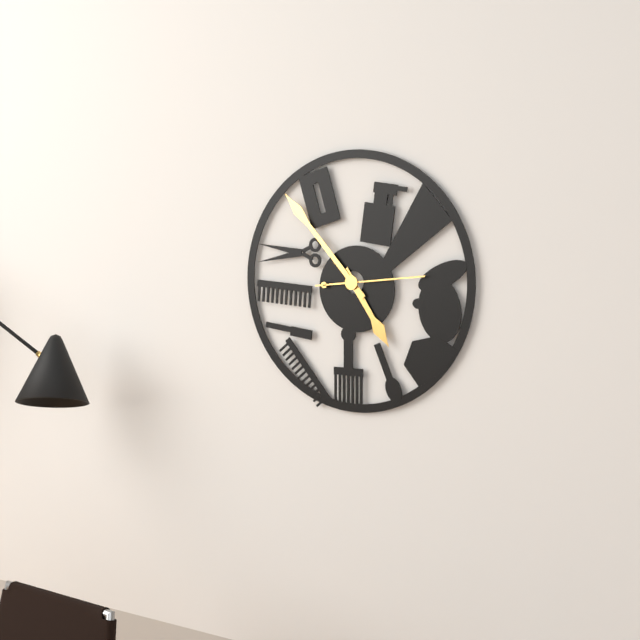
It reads **4:53:14**
